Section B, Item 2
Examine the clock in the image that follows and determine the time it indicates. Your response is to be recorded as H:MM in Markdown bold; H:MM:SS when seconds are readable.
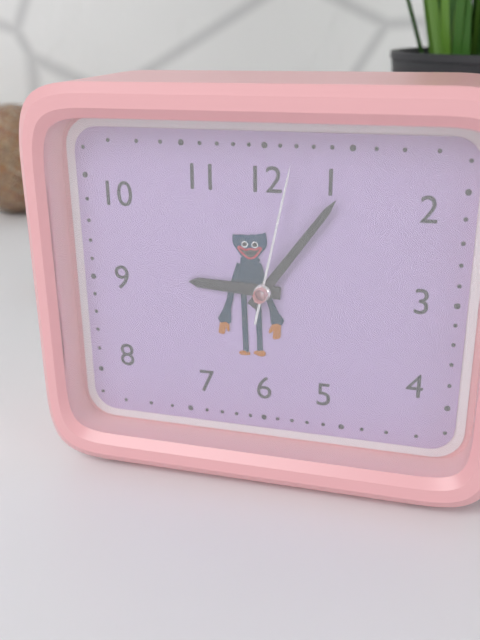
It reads **9:06:02**
